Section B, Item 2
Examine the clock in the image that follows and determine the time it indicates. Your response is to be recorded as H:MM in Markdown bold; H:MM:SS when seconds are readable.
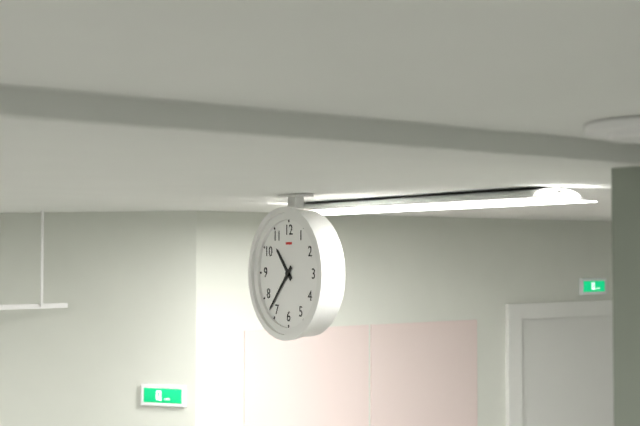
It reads **10:37**
